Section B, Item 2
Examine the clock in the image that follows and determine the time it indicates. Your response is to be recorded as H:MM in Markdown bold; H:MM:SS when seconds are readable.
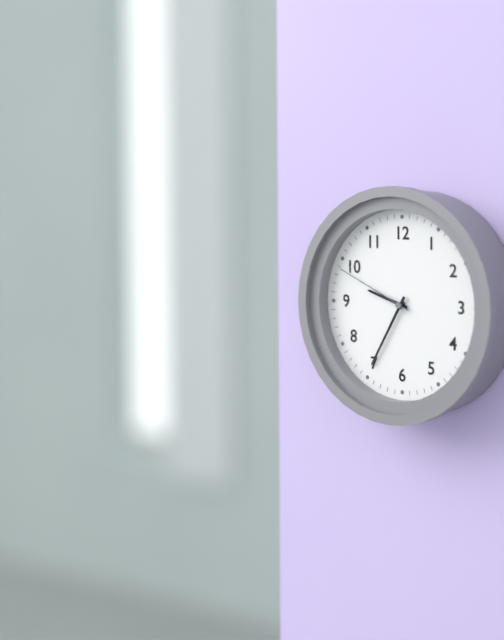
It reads **9:35:49**
